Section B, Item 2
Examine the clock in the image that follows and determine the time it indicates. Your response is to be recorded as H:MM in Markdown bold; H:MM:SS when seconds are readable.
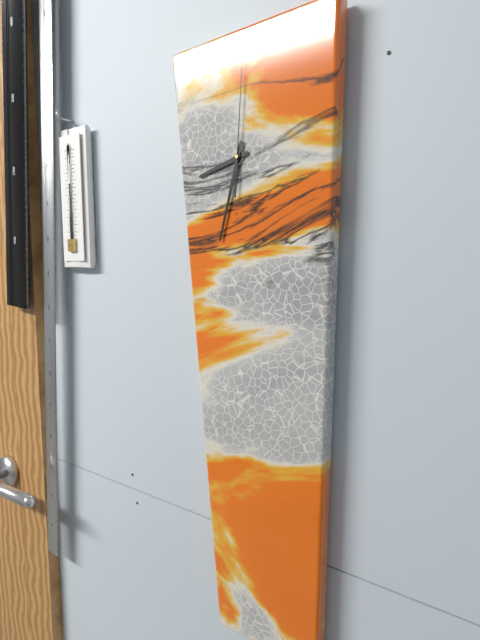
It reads **8:33:01**
